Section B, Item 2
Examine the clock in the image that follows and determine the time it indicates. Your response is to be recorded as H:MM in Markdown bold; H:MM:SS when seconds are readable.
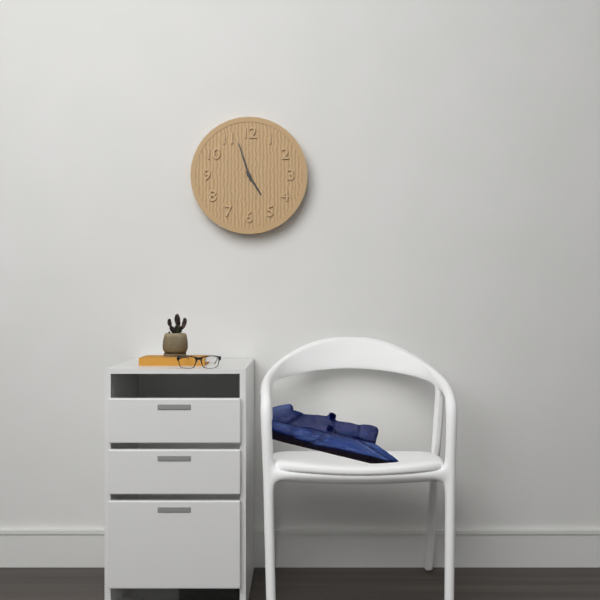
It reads **4:57**
